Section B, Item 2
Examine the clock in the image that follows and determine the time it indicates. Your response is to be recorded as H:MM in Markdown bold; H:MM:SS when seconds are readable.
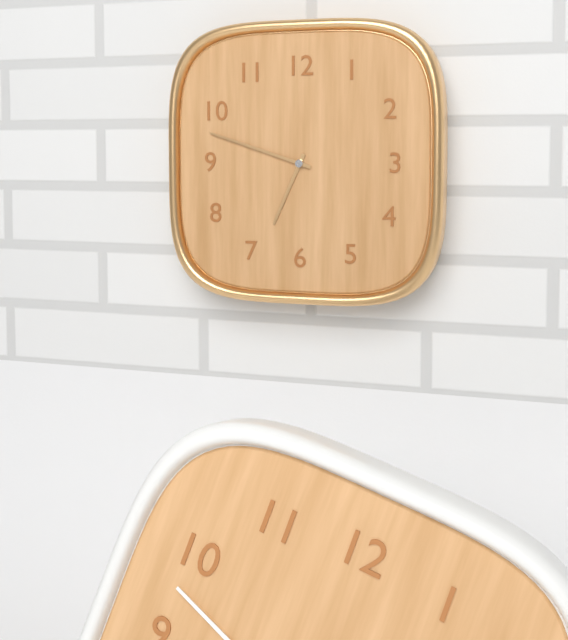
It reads **6:48**
